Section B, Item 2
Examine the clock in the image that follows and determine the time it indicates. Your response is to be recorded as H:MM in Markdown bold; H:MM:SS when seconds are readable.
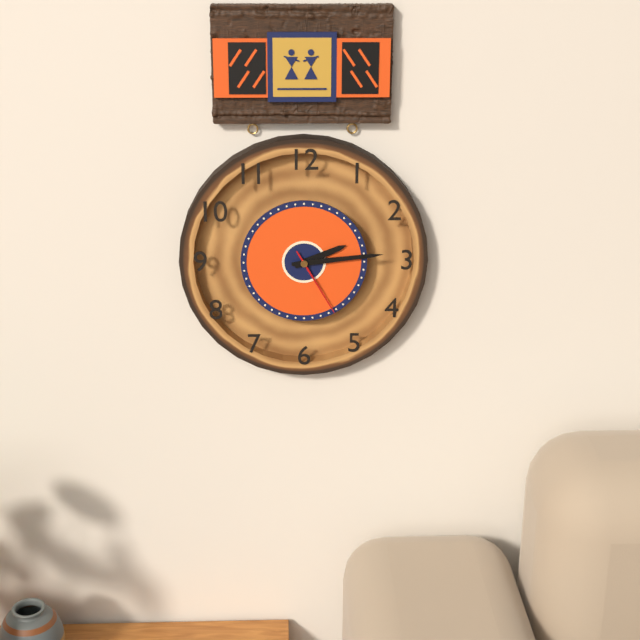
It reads **2:14:25**
